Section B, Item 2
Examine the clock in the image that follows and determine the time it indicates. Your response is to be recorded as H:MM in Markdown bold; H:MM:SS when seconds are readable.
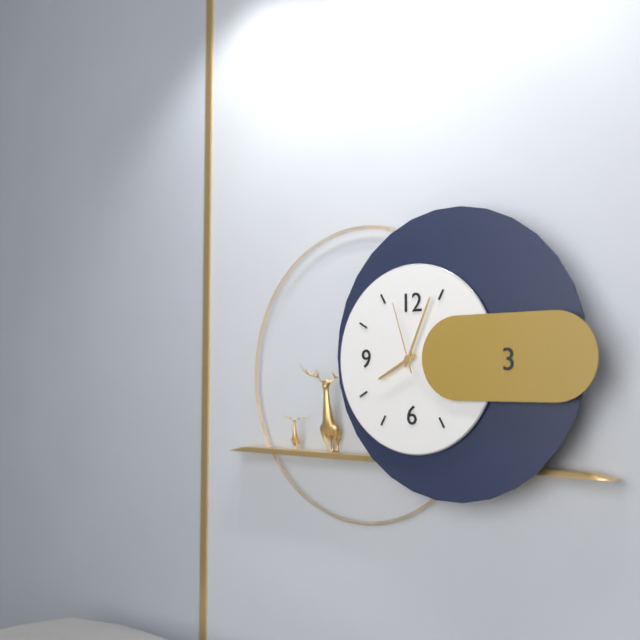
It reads **8:04:57**
